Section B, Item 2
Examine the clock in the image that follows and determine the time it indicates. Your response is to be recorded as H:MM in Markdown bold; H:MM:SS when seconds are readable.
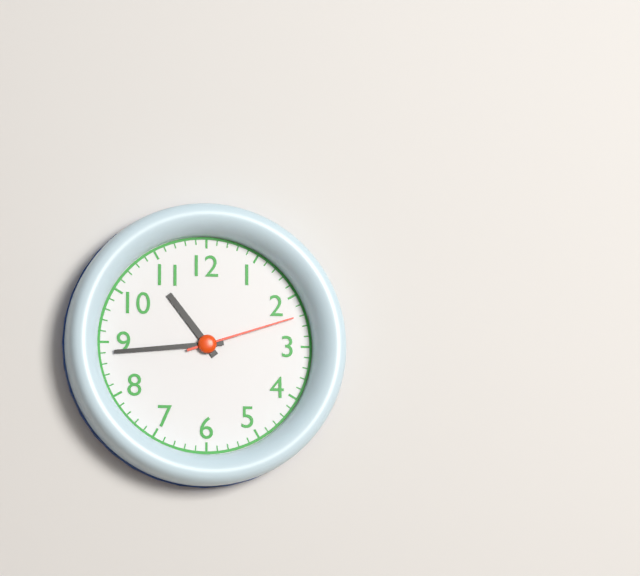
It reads **10:44:12**
